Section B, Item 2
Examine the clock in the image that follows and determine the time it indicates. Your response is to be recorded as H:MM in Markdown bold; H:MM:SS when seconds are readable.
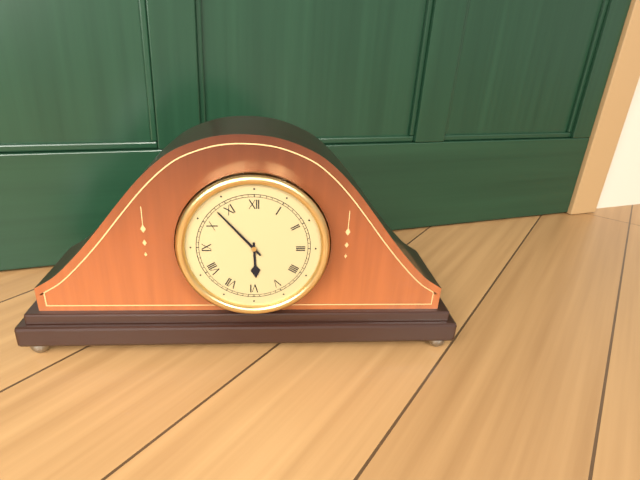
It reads **5:53**
